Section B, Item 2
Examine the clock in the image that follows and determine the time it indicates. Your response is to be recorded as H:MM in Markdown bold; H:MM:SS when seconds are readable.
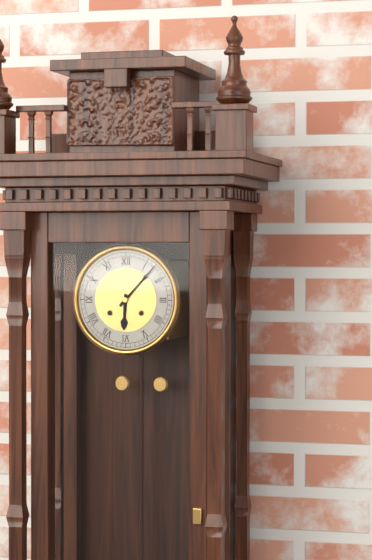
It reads **6:07**
